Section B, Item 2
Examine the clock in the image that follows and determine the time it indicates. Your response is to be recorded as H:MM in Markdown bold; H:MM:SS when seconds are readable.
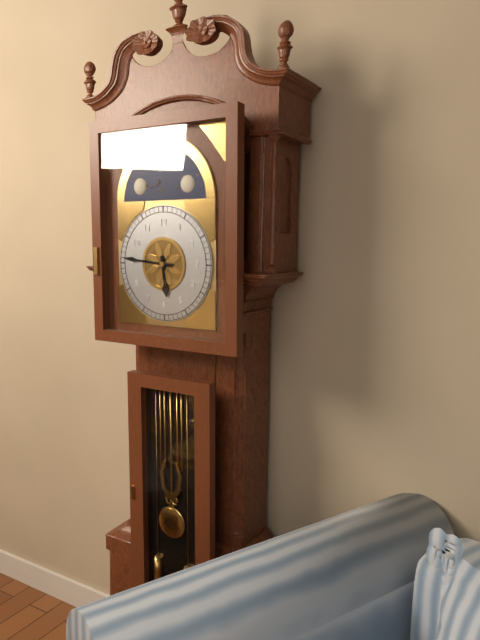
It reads **5:46**
